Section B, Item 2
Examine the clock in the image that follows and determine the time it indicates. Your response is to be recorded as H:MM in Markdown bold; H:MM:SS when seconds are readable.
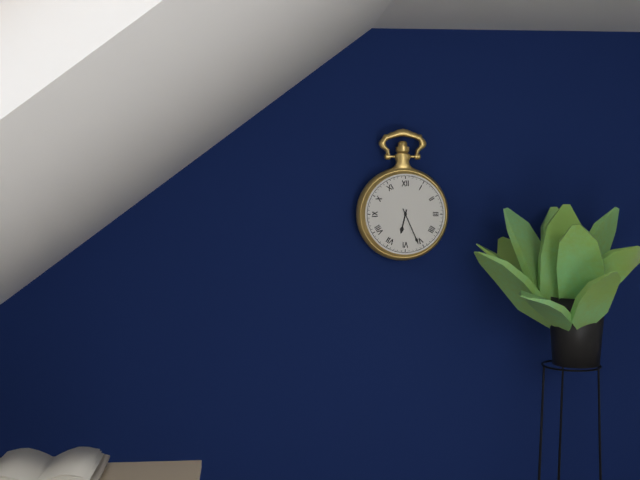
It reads **6:26**
